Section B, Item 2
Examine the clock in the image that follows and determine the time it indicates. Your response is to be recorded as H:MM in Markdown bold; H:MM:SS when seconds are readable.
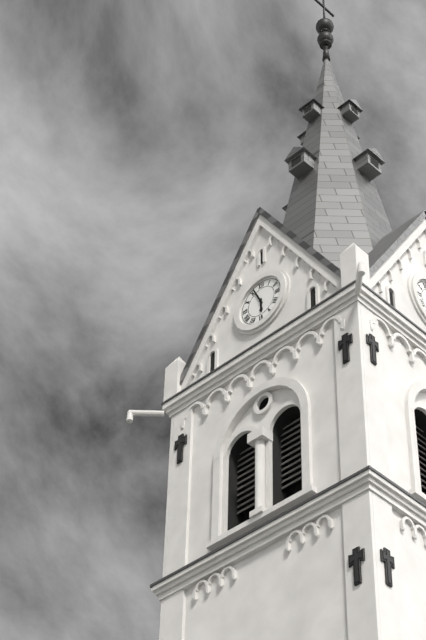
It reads **5:56**
